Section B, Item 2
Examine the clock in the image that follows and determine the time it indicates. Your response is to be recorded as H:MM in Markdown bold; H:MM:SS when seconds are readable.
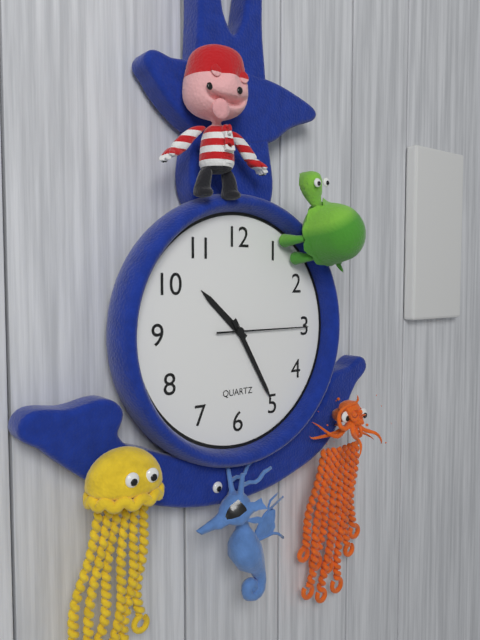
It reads **10:25:15**
